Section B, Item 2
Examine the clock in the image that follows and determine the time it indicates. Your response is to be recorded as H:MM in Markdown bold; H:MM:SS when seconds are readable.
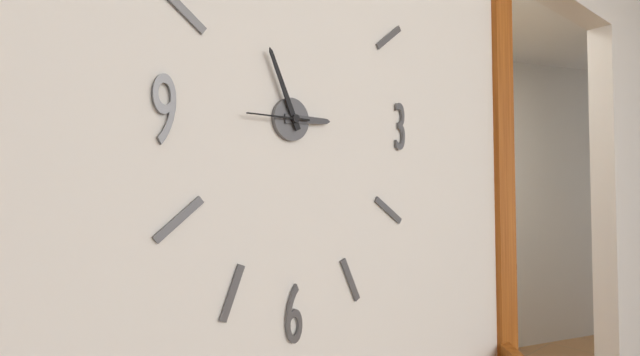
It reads **2:56:45**
